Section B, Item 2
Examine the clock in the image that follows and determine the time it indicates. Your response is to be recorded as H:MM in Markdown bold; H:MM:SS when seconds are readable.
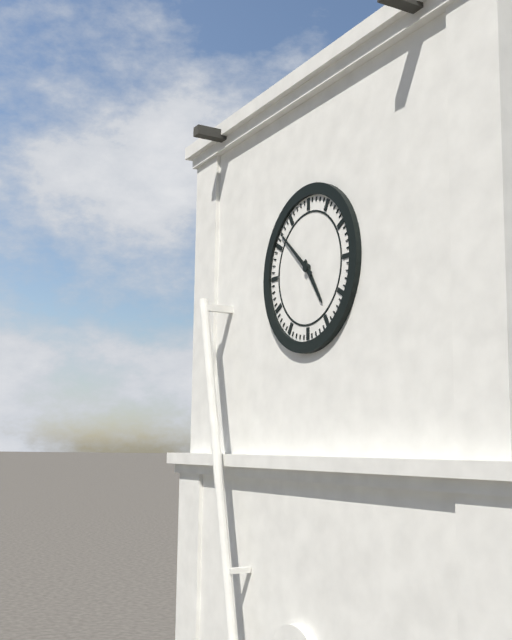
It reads **4:52**
